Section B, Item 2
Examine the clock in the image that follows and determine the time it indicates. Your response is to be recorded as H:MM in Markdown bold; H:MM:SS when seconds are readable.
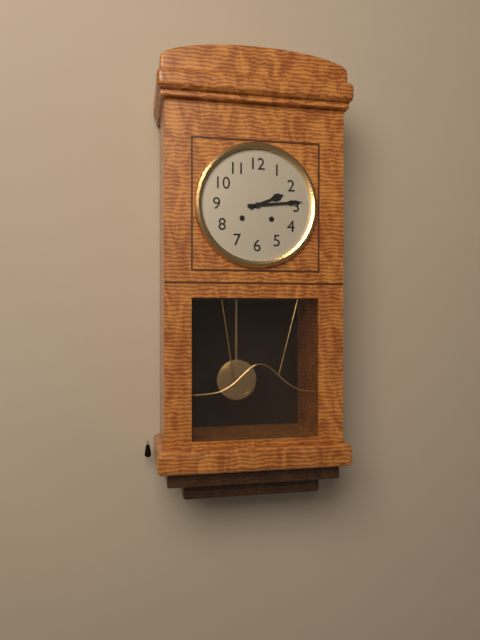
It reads **2:14**
